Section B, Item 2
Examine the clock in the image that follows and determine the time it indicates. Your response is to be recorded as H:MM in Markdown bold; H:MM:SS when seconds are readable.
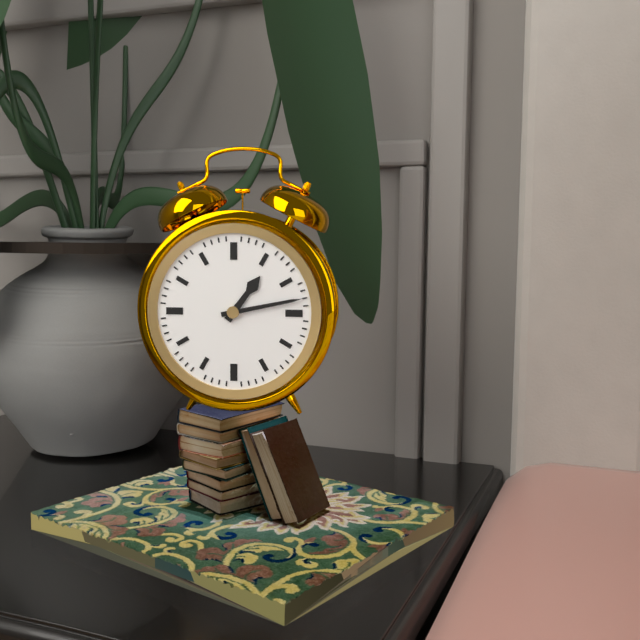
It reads **1:13**
